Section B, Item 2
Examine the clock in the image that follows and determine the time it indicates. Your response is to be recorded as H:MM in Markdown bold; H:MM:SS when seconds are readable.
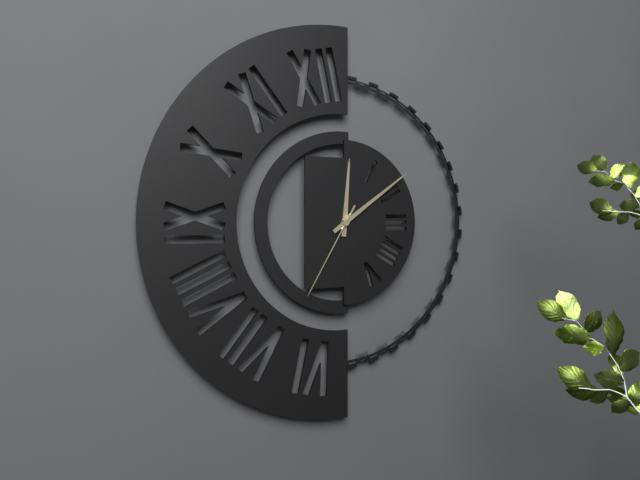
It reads **12:09:35**
